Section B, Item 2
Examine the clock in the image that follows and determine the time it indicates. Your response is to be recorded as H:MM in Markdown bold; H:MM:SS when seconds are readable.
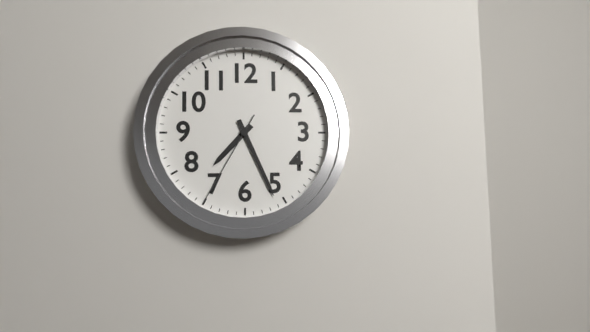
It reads **7:26:35**
